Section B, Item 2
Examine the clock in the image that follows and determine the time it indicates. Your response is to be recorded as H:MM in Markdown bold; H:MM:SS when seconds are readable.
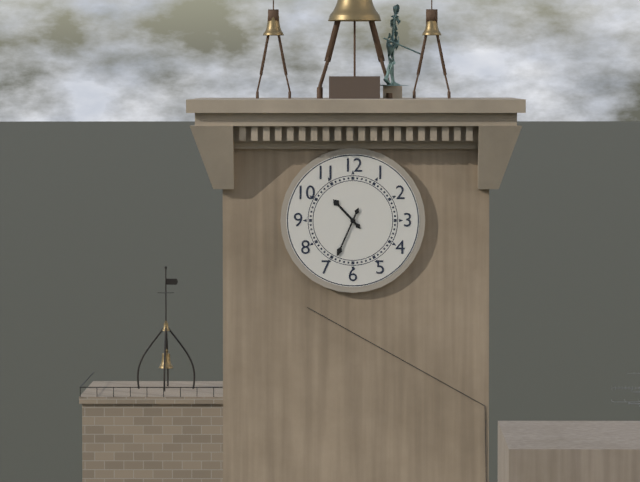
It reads **10:34**
